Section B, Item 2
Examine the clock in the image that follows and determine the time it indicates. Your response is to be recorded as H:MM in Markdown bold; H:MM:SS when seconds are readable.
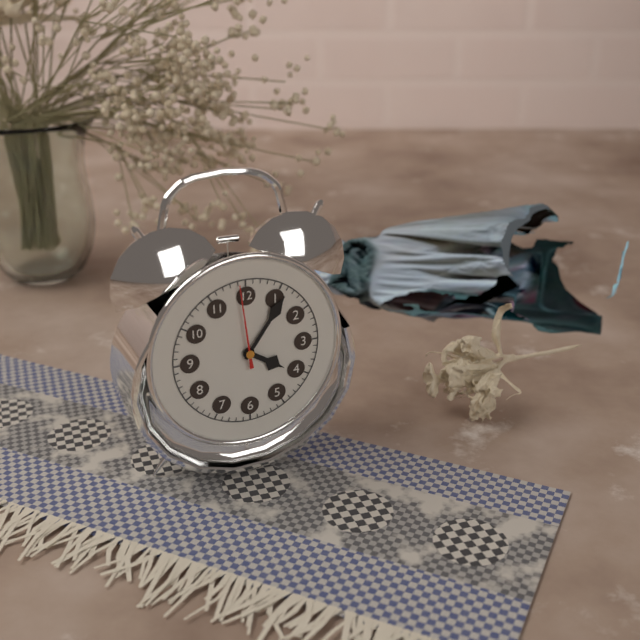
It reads **4:06:59**
